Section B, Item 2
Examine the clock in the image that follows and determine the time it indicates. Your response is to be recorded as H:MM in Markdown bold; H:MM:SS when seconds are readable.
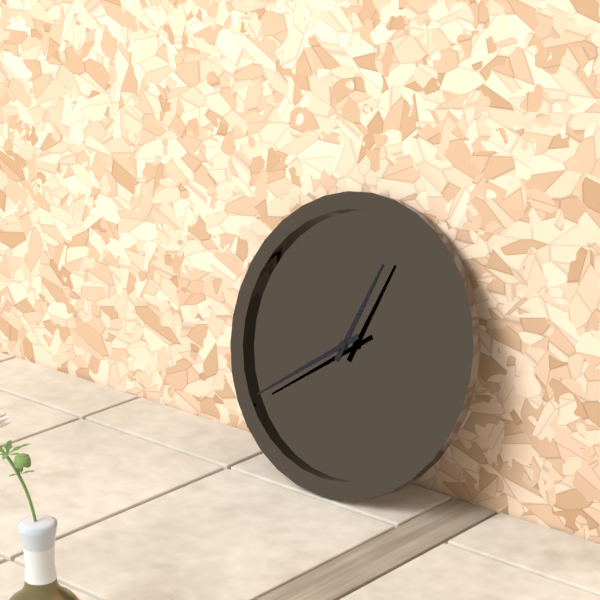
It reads **12:39**
